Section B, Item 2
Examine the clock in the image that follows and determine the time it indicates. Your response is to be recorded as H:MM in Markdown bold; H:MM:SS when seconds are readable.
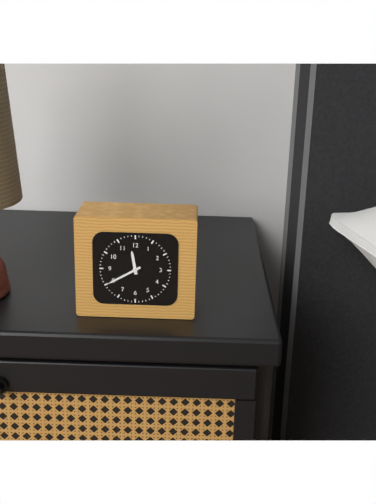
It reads **11:40**
